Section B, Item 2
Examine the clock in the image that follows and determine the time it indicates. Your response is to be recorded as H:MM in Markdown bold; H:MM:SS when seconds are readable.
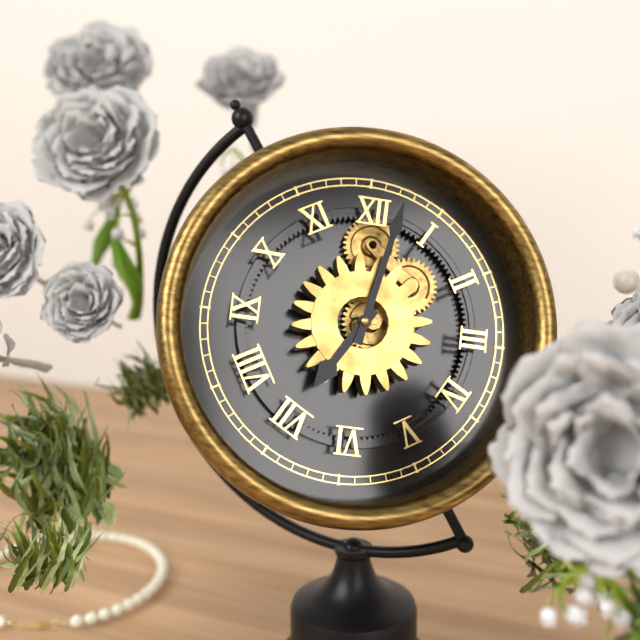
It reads **7:02**
